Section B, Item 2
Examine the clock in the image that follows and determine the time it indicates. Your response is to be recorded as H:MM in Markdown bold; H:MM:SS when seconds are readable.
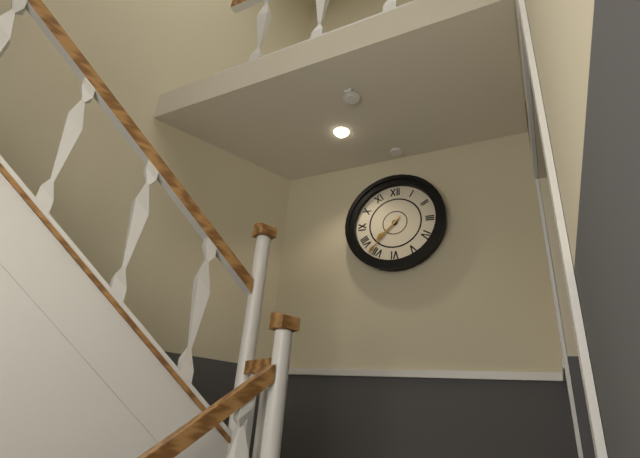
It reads **7:37**
